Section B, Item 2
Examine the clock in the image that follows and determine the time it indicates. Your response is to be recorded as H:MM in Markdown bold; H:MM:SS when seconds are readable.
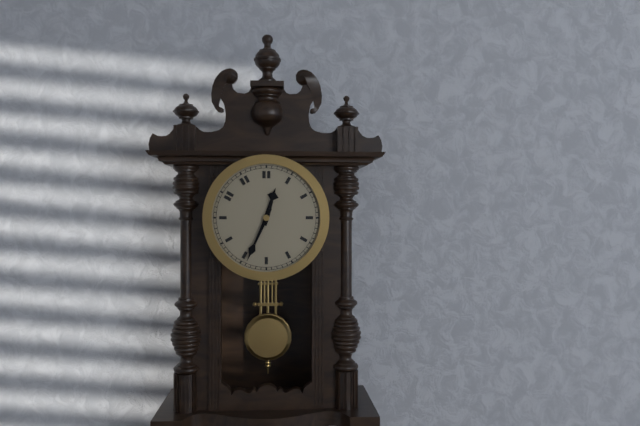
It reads **12:34**
